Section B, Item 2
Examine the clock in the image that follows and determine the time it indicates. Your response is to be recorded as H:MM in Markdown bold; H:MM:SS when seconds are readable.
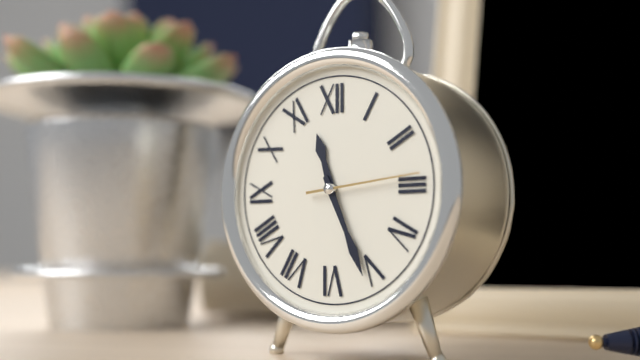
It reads **11:26:14**
